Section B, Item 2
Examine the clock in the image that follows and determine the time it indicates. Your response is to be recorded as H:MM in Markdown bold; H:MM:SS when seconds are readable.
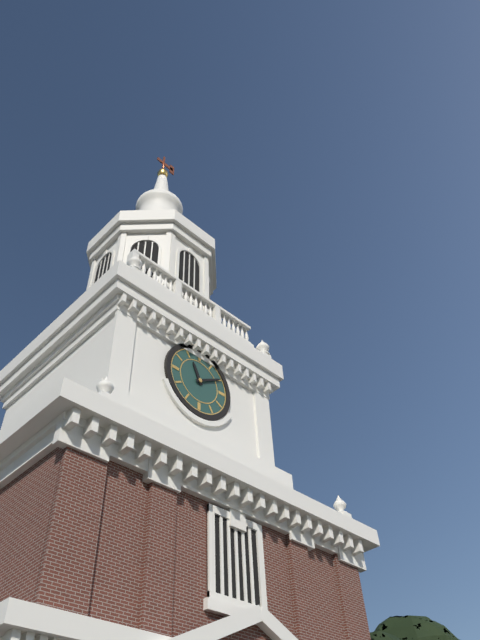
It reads **11:10**
